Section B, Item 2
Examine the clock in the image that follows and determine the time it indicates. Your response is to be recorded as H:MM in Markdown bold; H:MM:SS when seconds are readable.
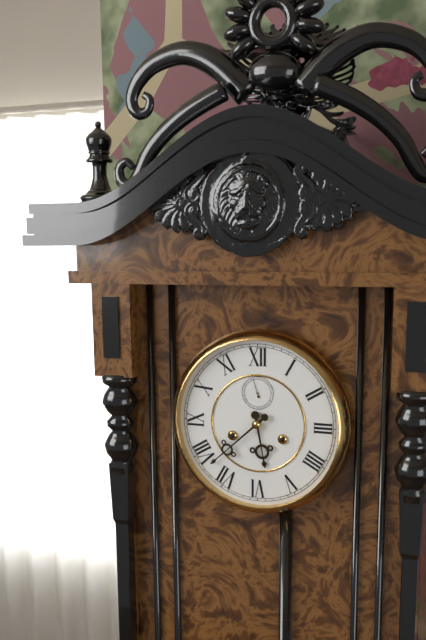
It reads **5:38**
